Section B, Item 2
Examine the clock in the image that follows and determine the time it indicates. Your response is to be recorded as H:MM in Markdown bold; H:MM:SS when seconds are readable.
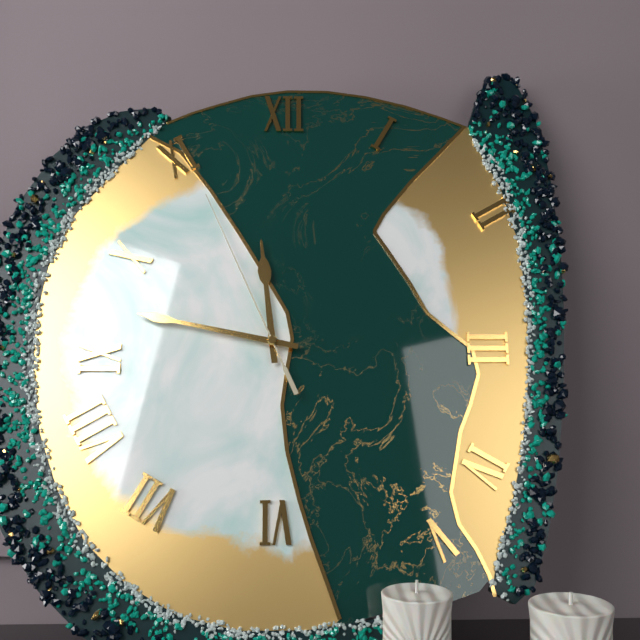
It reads **11:47:56**
